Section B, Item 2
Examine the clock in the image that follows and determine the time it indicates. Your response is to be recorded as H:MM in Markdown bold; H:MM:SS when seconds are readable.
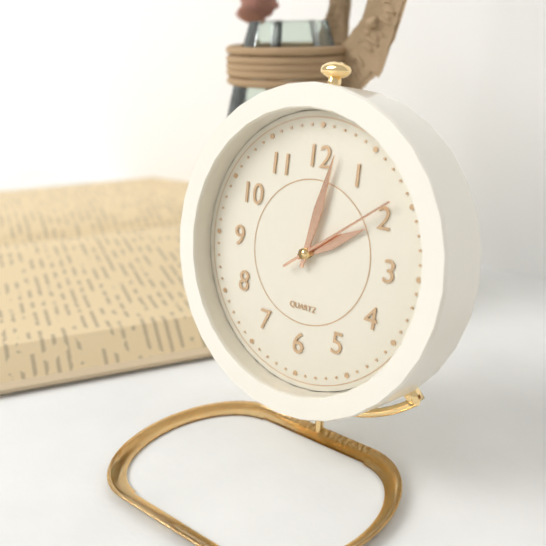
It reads **2:02:09**
